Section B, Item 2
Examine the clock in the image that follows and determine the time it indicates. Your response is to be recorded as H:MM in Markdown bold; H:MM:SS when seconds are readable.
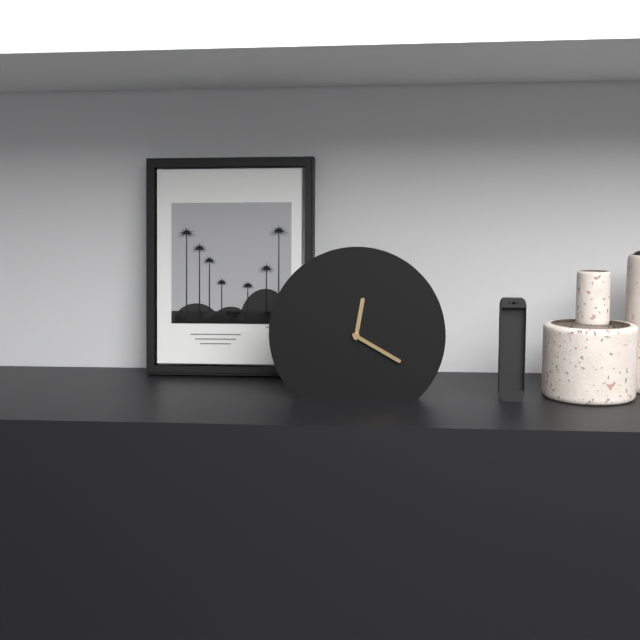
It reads **12:20**
